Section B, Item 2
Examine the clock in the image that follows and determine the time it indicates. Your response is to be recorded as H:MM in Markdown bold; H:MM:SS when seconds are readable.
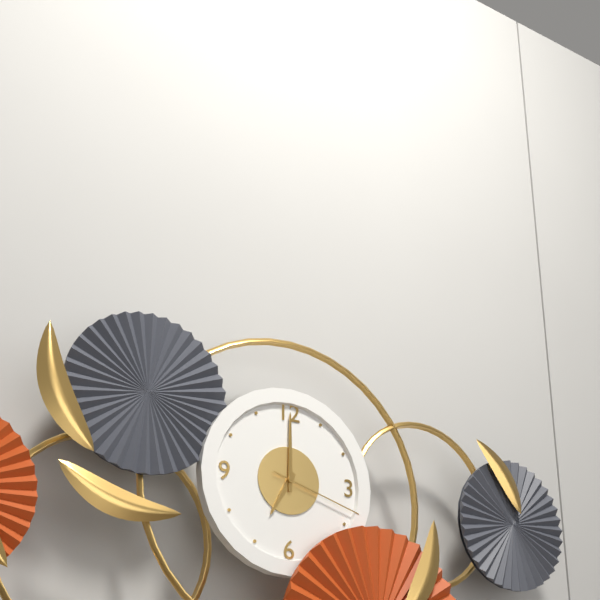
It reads **7:00:18**
